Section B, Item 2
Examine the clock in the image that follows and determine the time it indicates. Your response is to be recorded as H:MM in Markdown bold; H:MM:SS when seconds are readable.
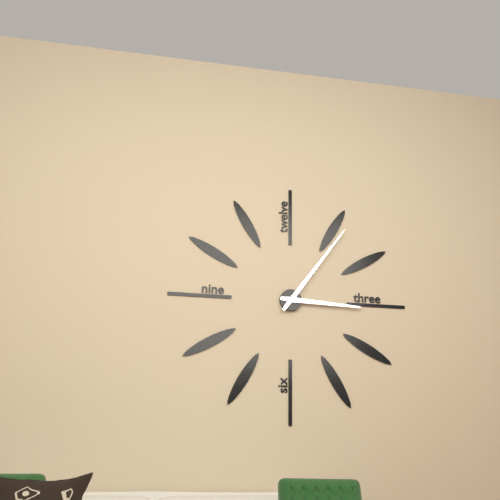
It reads **3:06**
